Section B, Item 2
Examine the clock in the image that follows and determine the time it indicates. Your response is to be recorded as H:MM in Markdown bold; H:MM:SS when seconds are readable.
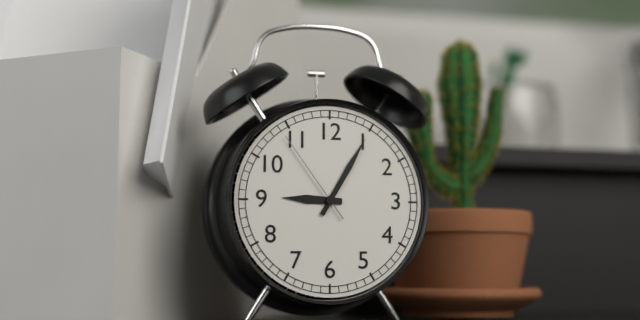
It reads **9:05:54**
